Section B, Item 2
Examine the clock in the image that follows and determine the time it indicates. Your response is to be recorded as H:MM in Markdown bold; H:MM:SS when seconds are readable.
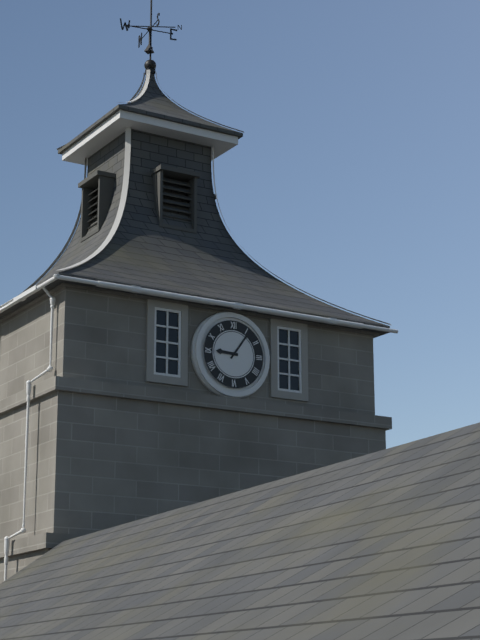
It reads **9:06**
